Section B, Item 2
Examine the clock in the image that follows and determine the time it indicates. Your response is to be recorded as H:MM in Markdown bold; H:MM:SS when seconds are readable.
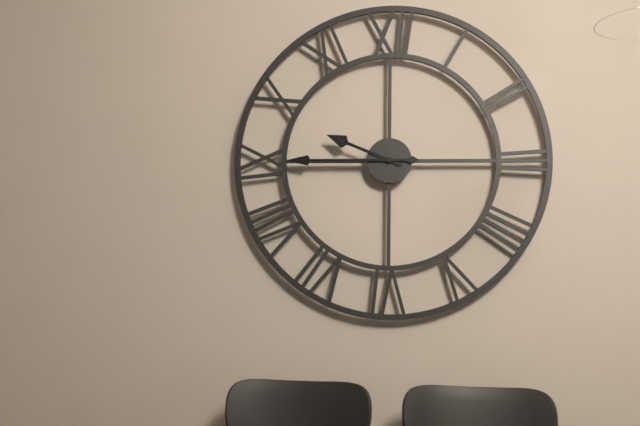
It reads **9:45**
